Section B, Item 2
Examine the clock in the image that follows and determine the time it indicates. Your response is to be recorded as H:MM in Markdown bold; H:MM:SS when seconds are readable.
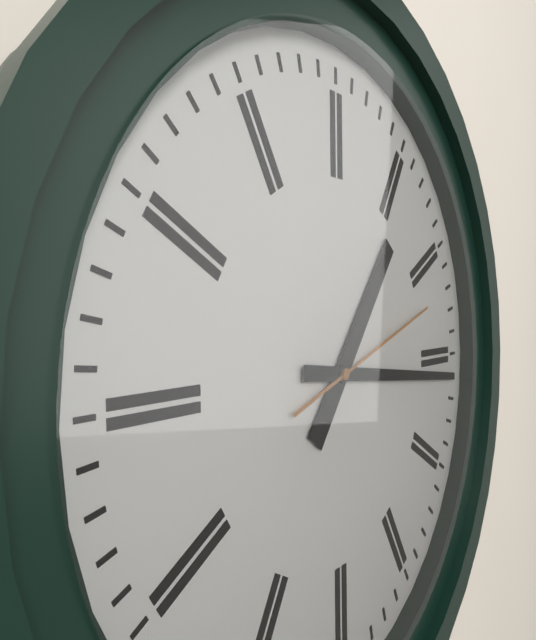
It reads **1:16:12**
